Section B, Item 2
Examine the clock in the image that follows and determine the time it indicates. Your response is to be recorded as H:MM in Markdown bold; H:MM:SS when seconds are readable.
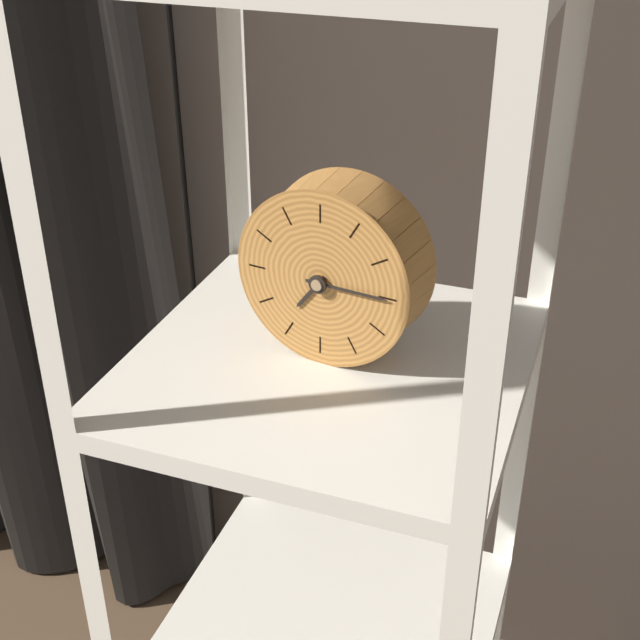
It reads **7:15**
